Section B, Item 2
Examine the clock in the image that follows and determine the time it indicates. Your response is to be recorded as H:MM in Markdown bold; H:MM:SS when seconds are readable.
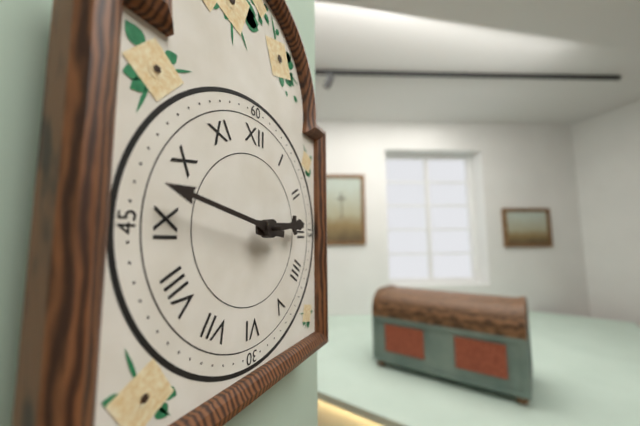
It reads **2:47**
